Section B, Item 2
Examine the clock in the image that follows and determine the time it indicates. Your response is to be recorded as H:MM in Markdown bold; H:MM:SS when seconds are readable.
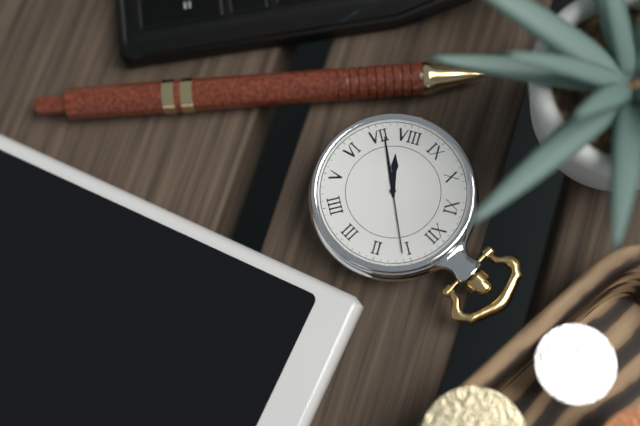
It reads **7:36:06**
